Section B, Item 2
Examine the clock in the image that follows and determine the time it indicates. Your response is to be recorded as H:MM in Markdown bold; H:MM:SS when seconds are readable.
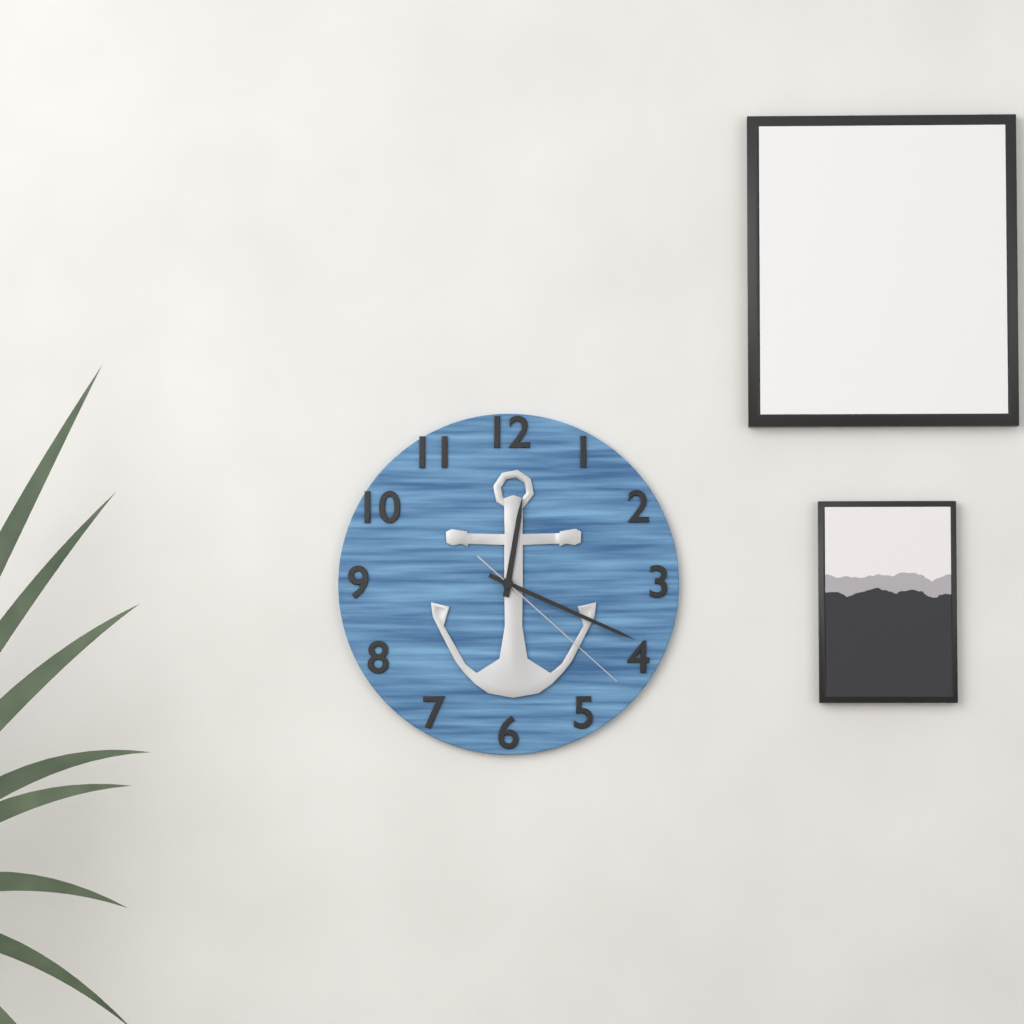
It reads **12:19:22**
